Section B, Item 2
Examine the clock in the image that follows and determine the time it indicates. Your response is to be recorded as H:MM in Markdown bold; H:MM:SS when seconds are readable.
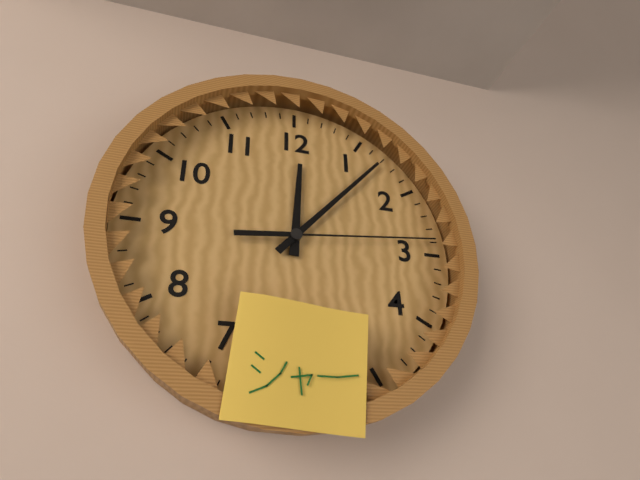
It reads **12:07:14**
